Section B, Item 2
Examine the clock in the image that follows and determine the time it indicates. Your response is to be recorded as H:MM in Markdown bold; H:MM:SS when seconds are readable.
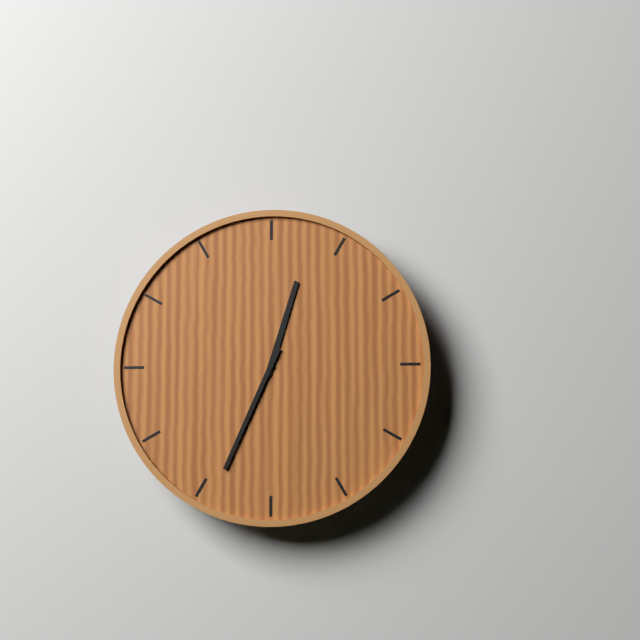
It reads **12:34**
